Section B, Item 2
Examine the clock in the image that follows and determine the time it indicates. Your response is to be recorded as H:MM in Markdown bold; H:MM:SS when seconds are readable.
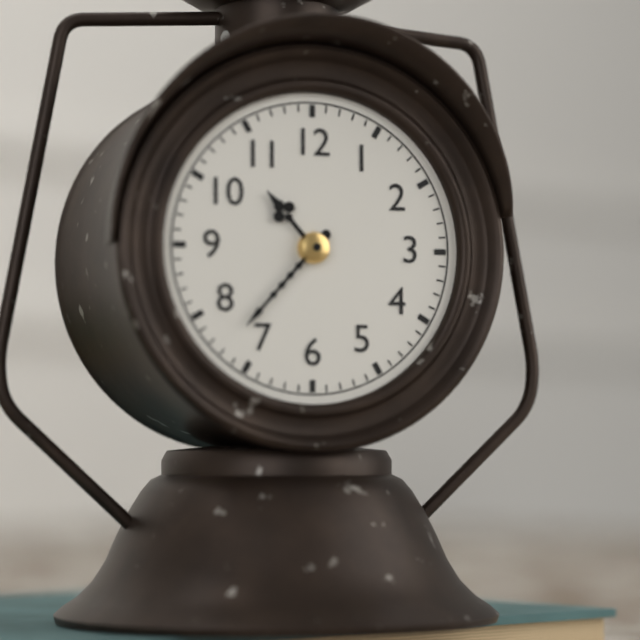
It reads **10:37**
